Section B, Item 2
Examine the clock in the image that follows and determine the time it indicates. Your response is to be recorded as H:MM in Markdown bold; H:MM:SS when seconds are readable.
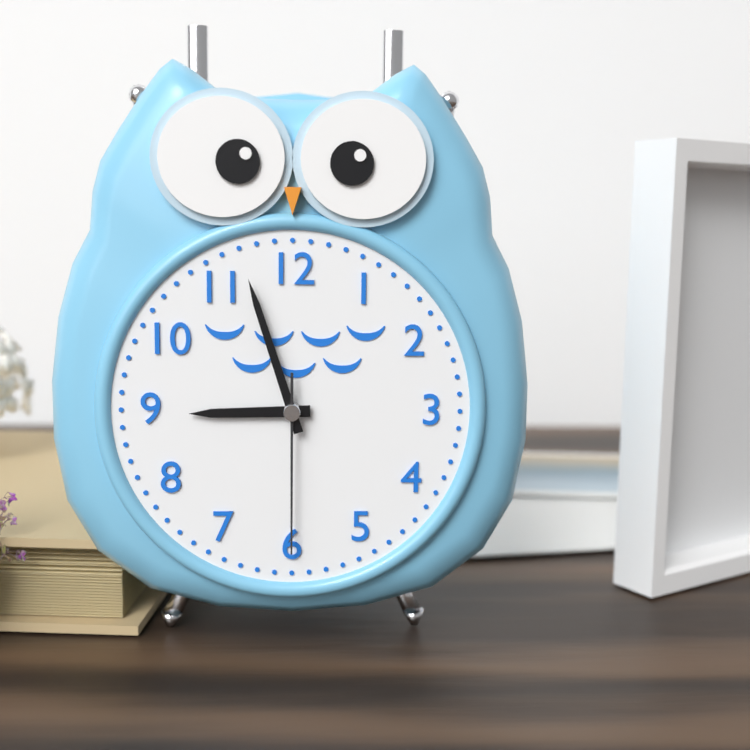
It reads **8:57:30**
